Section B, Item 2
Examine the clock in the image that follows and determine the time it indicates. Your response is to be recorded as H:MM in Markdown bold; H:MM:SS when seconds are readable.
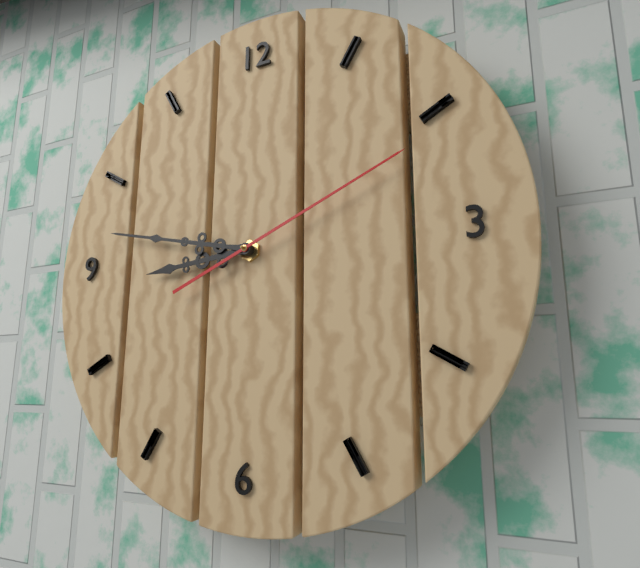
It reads **8:47:11**
